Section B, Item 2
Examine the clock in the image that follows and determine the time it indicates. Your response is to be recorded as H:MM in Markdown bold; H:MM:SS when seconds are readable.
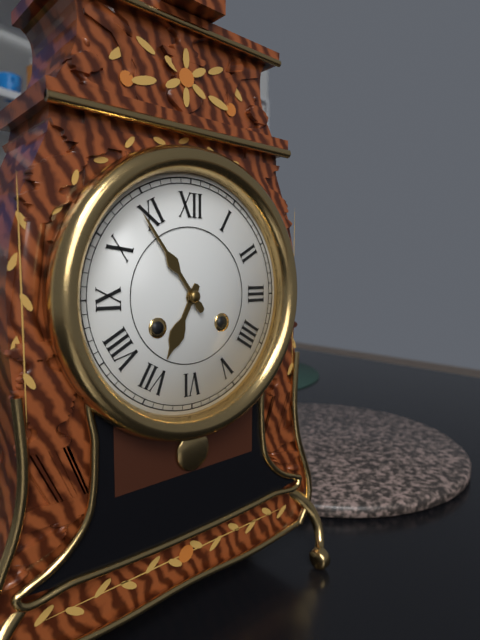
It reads **6:54**
